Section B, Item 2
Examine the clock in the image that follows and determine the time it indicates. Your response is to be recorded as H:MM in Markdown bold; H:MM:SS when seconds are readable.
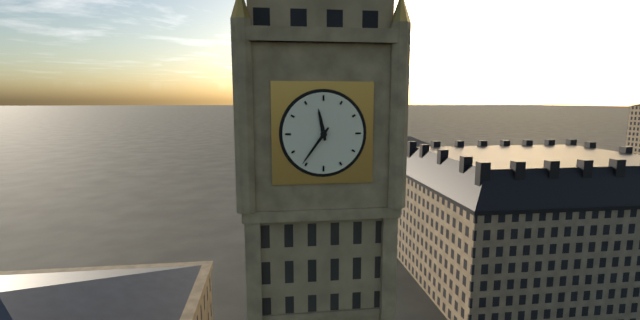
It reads **11:36**
